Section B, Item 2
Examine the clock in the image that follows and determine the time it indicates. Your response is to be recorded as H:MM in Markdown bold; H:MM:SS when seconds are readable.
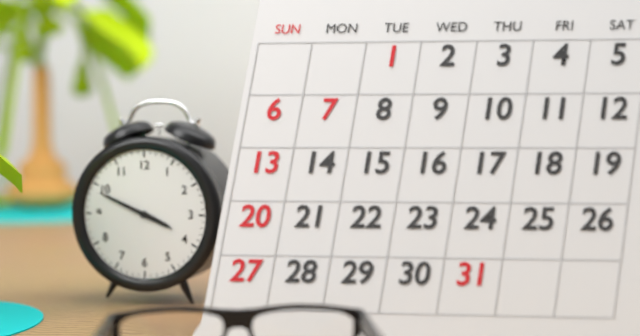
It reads **3:49**
